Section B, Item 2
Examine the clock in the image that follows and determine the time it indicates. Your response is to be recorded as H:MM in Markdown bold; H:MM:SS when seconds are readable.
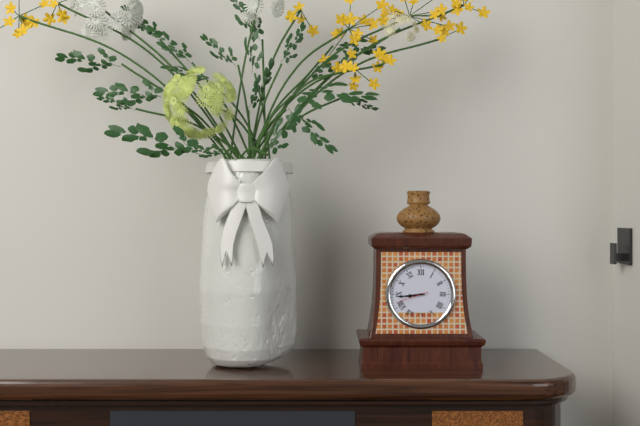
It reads **8:44**
